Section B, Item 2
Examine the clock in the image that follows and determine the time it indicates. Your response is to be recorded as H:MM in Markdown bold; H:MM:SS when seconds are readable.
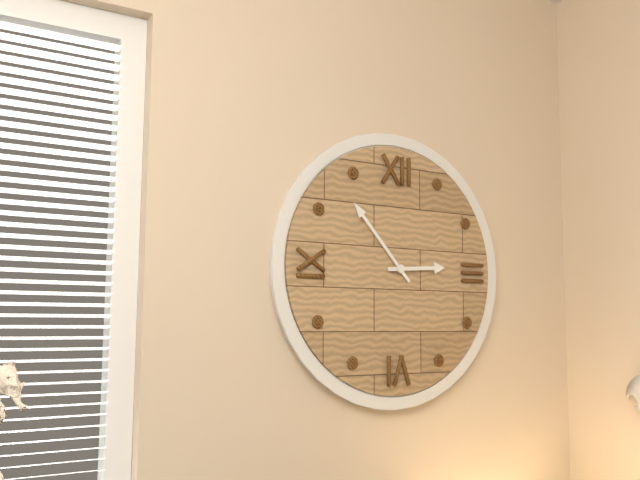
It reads **2:53**
